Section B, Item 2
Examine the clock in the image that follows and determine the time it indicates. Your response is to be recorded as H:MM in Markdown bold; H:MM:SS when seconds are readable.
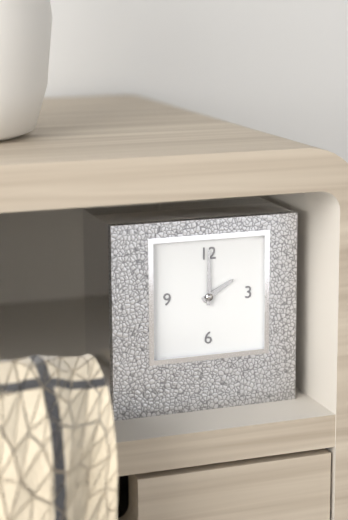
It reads **2:00**
